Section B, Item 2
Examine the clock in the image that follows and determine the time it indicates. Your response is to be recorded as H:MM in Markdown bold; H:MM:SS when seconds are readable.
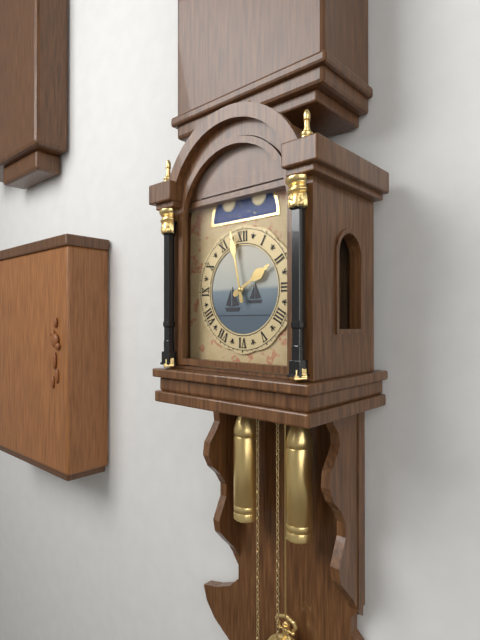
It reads **1:58**
